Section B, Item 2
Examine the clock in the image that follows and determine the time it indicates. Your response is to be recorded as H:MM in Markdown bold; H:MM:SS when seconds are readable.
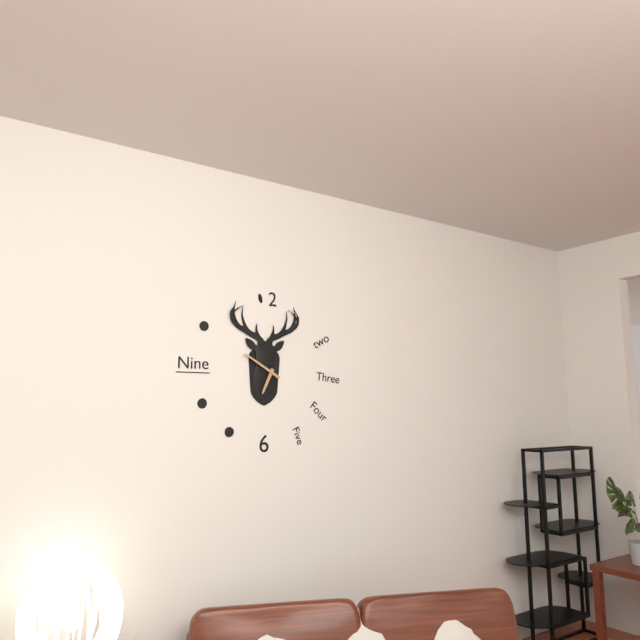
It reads **6:50**
